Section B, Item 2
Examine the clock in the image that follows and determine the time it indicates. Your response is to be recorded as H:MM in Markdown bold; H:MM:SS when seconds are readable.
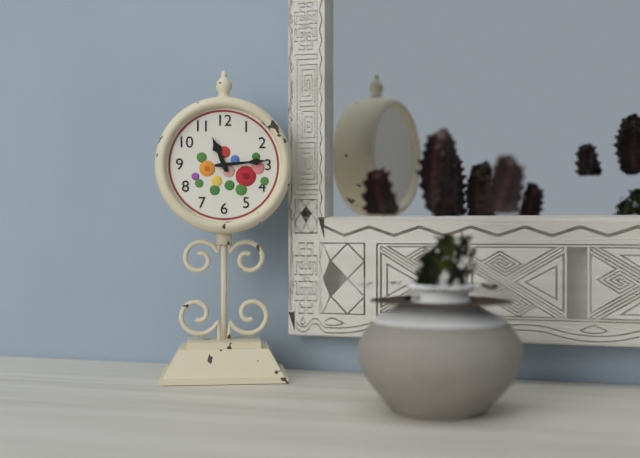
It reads **11:14**
